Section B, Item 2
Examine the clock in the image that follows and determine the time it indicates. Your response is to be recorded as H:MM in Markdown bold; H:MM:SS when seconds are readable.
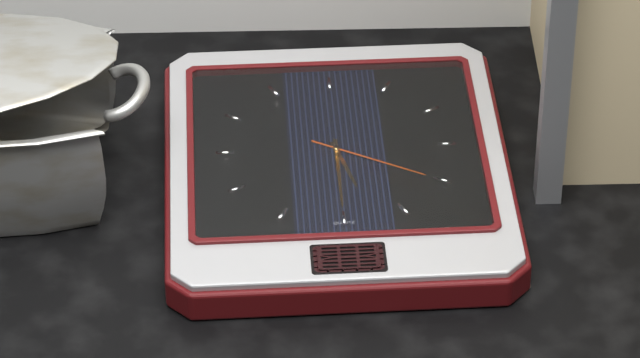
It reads **5:30:20**
